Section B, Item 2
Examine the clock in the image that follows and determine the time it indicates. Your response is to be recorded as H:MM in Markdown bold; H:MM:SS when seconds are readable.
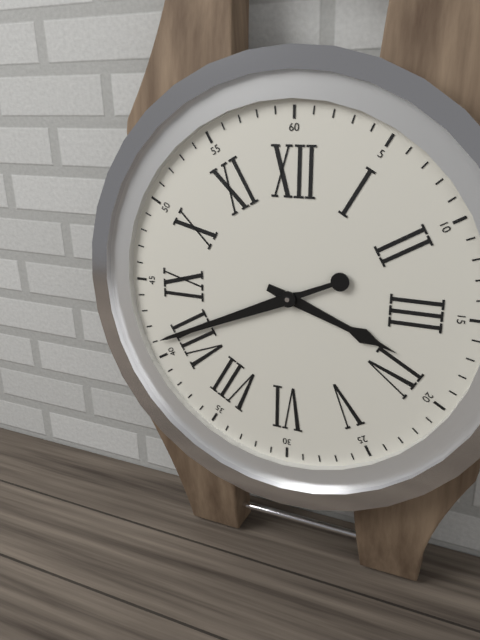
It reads **3:41**
